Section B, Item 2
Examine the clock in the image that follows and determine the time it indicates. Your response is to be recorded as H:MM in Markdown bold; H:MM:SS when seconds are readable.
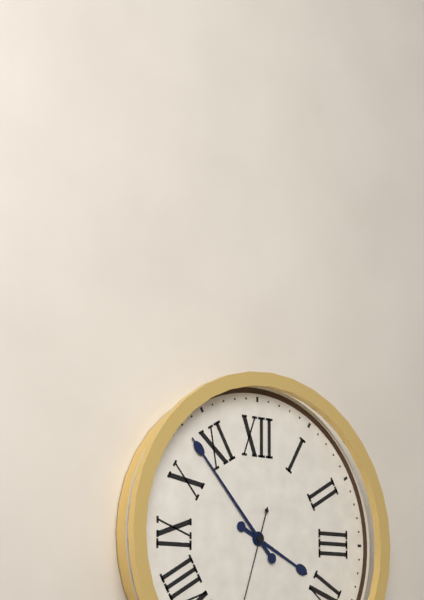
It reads **3:53**
